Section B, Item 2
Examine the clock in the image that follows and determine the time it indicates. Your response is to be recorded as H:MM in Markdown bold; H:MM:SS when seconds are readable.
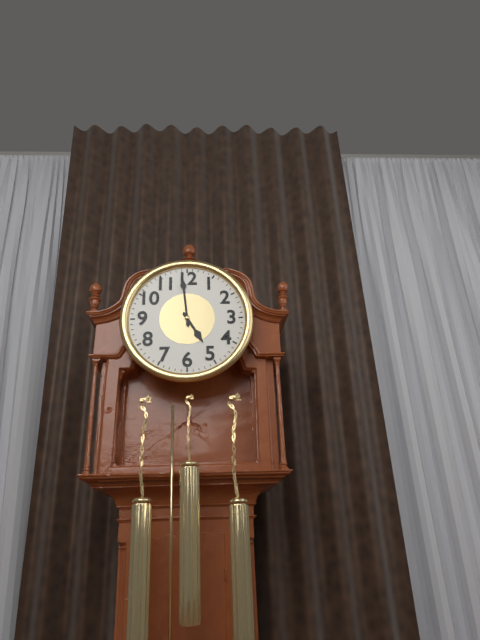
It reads **4:59**
